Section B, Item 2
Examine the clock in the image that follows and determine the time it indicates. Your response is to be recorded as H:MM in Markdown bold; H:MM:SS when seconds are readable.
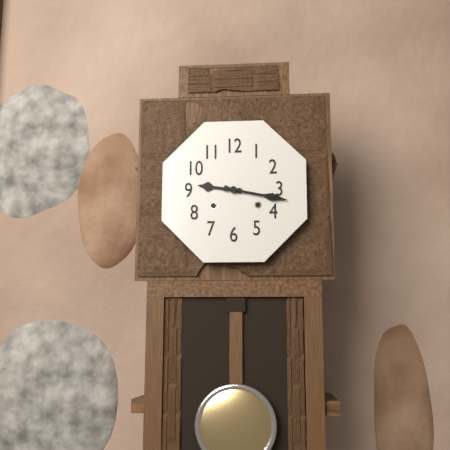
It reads **9:17**
